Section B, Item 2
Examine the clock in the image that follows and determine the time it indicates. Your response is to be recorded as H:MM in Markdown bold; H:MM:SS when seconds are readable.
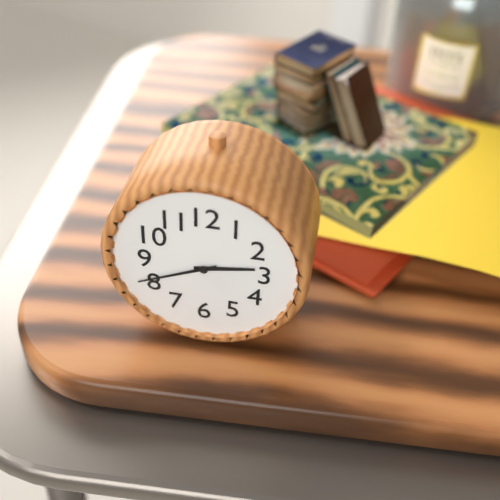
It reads **2:41**
